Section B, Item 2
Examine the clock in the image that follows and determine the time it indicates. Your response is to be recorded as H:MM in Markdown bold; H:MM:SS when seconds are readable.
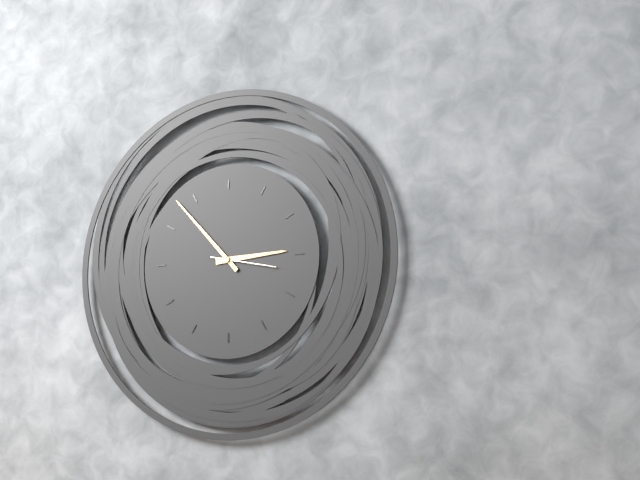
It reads **2:53:17**
